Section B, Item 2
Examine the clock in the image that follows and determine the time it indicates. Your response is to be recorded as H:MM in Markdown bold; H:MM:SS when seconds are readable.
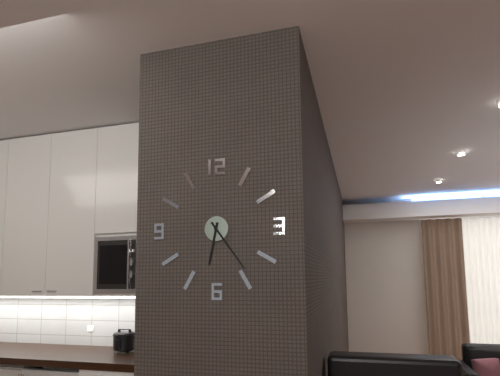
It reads **6:24**
